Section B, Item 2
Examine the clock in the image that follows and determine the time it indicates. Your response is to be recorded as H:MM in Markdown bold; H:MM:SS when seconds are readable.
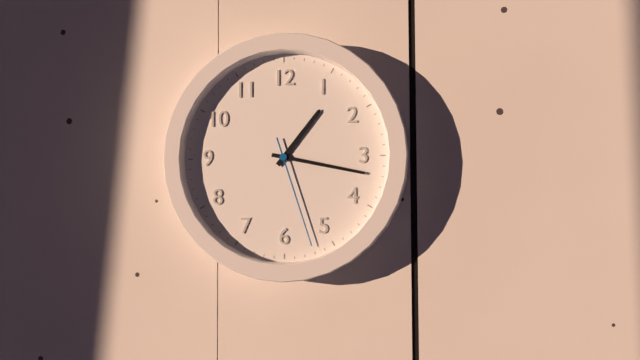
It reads **1:17:27**
